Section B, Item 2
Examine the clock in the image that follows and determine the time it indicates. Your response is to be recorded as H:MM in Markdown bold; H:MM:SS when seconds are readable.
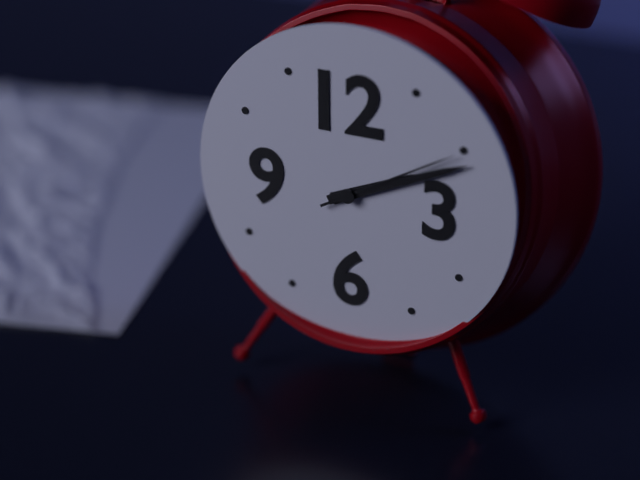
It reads **2:11:10**
